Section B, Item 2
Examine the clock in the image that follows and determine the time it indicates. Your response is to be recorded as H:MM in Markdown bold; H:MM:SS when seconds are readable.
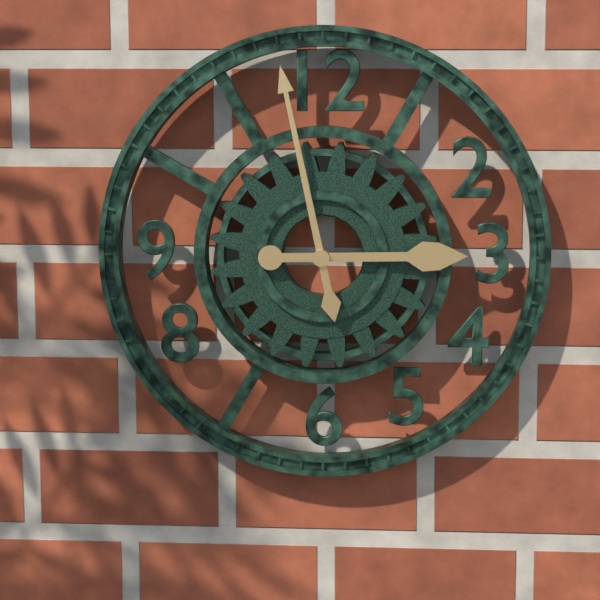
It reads **2:58**
